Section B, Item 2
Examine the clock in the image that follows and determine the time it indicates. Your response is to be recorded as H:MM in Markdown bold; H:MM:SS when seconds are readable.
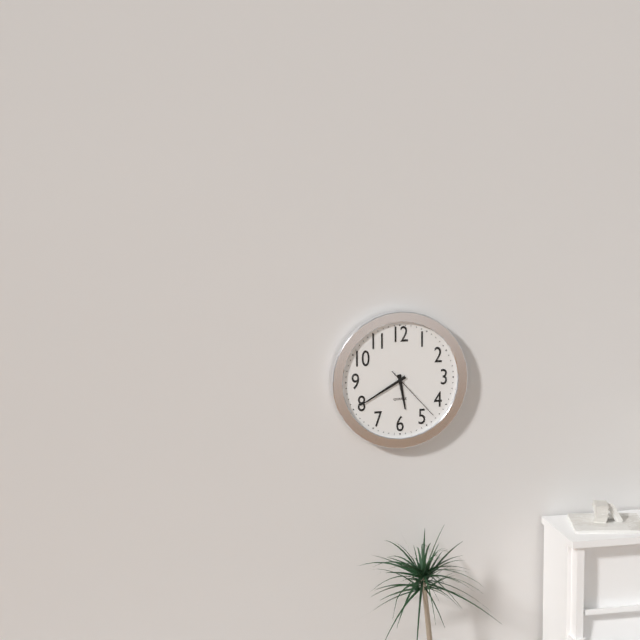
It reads **5:40:23**
